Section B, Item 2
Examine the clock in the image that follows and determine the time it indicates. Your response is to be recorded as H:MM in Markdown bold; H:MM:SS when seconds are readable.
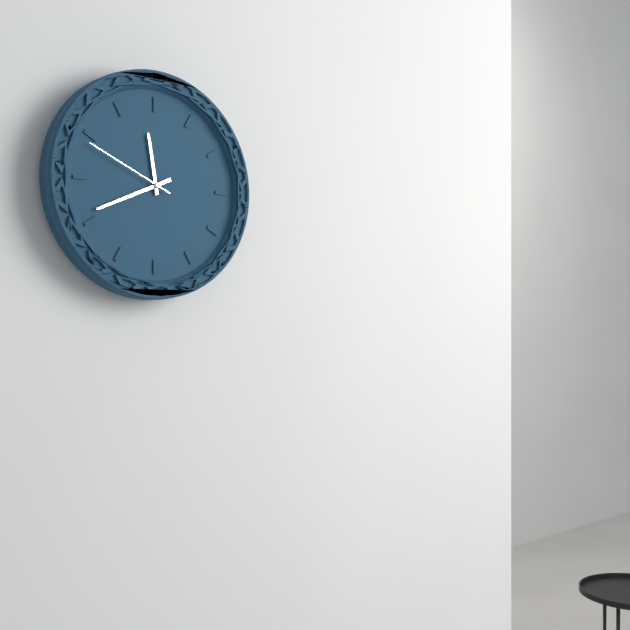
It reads **11:41:49**
